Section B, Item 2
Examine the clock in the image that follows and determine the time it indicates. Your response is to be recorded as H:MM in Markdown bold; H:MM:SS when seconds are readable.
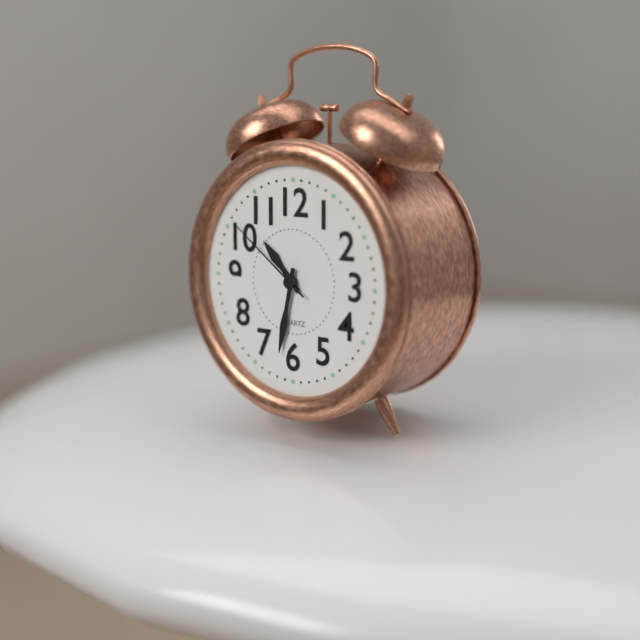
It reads **10:32:51**
